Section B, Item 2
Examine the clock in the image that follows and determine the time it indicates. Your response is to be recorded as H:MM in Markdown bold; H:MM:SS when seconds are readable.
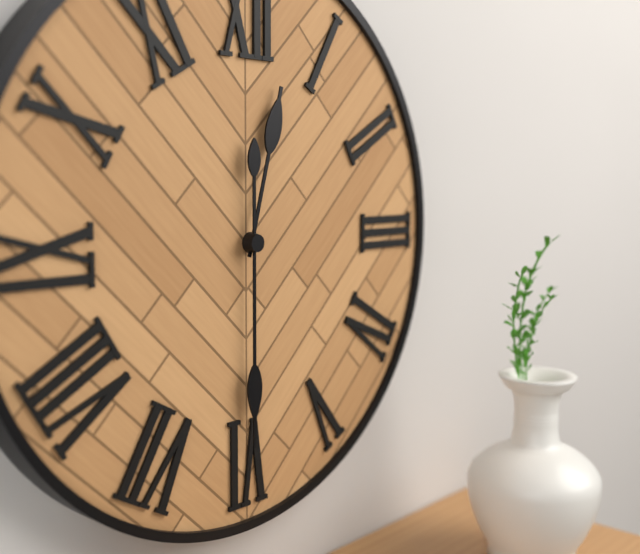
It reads **12:30**
